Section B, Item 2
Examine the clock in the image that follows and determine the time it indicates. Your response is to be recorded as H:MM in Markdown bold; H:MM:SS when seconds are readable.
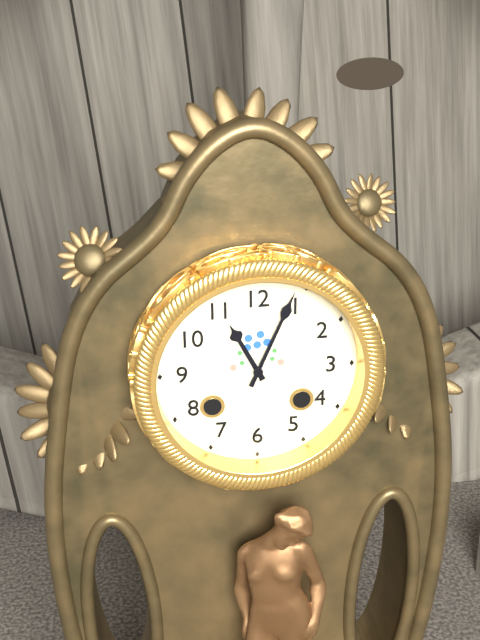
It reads **11:04**
